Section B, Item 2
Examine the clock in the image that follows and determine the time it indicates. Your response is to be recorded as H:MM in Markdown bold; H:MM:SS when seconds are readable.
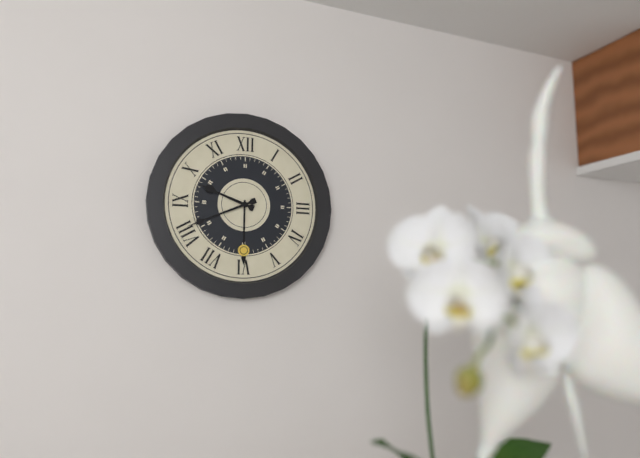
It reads **9:41**
